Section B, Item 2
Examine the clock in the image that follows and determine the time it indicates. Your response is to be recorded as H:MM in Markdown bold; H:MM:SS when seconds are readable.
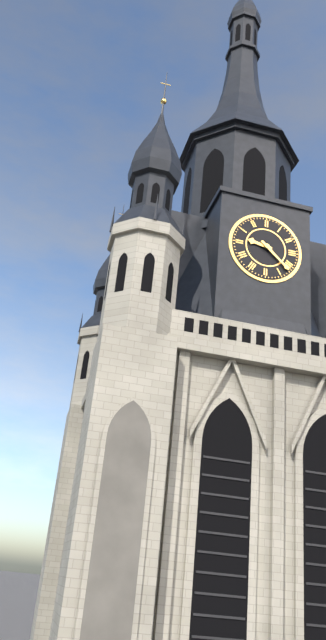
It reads **9:22**
